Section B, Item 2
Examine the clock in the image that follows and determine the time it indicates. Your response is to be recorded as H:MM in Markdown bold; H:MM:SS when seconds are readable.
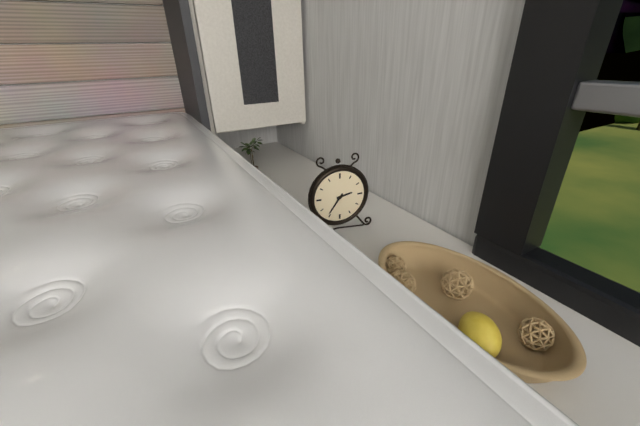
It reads **2:36**
